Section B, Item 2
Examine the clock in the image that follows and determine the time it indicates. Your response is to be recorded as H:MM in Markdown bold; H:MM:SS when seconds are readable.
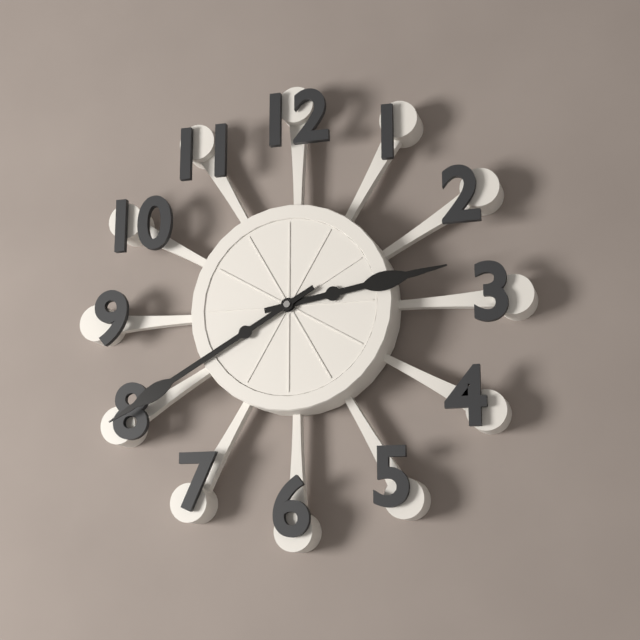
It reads **2:40**
